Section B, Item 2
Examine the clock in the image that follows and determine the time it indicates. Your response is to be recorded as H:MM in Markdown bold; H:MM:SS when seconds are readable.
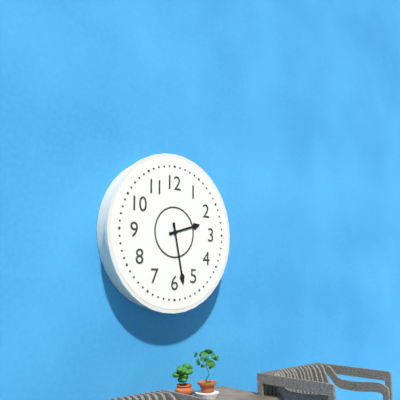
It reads **2:28**
